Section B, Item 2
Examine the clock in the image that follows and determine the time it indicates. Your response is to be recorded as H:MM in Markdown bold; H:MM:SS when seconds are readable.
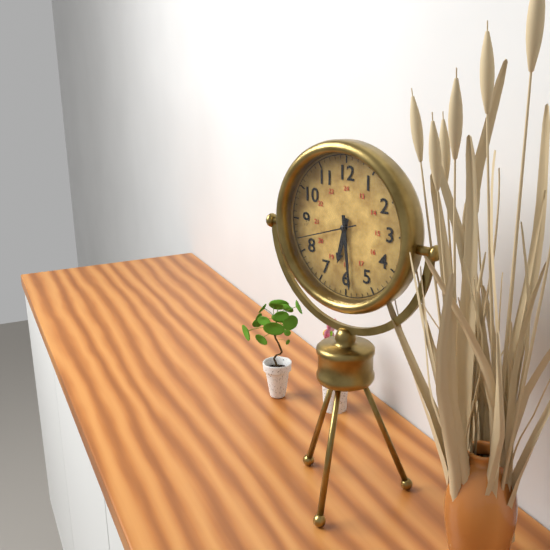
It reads **6:29:42**
